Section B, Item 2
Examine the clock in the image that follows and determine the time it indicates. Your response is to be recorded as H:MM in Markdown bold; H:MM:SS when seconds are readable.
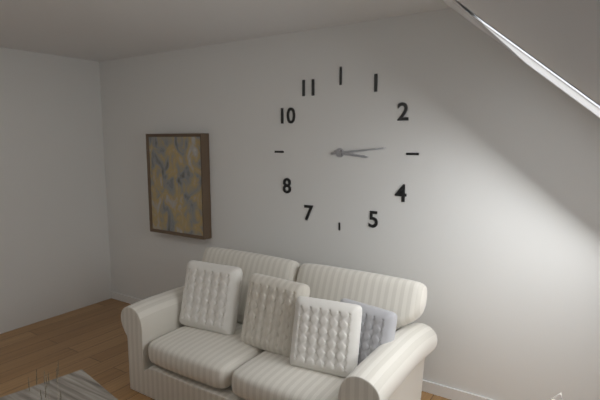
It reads **3:14**
